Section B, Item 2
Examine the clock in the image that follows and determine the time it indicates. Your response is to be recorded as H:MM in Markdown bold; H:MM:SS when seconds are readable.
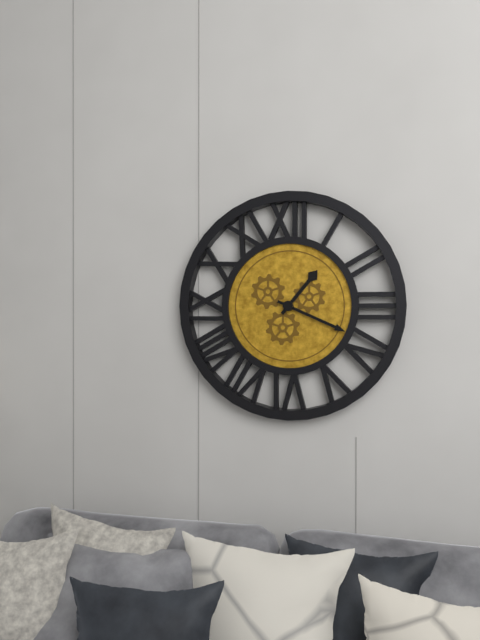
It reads **1:19**
